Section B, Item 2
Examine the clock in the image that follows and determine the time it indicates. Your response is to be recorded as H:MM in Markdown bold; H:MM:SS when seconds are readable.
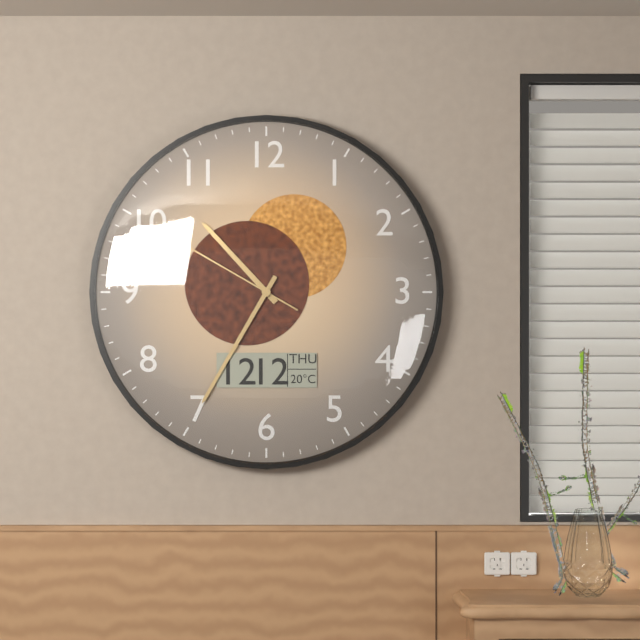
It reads **10:35:50**
